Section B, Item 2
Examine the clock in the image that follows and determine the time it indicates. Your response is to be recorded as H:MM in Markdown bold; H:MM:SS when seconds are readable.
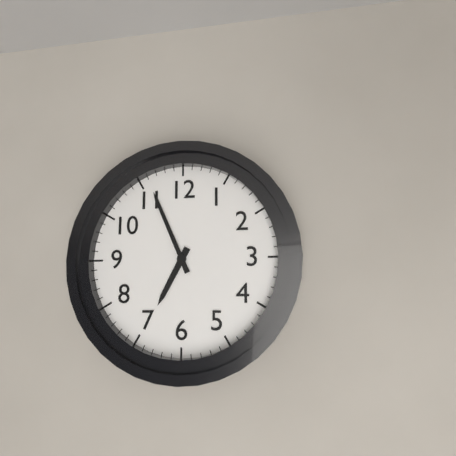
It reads **6:56**
